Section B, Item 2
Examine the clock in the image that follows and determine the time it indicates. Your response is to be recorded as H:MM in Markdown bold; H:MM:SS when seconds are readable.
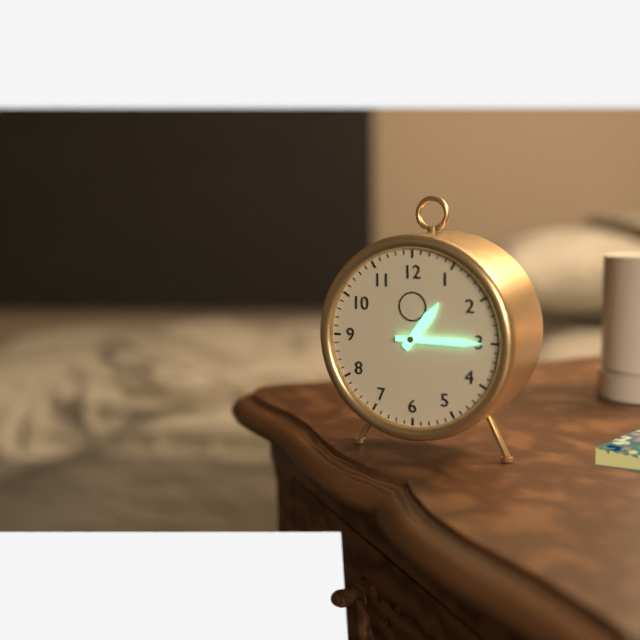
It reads **1:15**
